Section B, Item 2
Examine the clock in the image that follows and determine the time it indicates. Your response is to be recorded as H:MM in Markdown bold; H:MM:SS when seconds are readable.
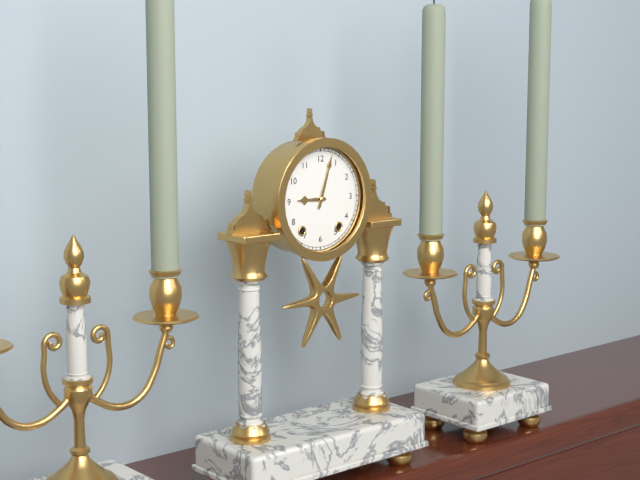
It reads **9:03**
